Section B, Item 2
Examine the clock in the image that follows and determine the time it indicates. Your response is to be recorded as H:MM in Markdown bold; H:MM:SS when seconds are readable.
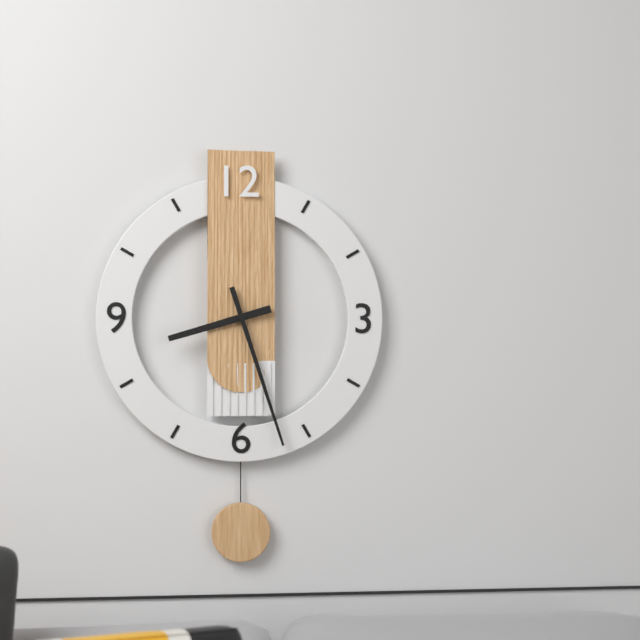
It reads **8:27**
